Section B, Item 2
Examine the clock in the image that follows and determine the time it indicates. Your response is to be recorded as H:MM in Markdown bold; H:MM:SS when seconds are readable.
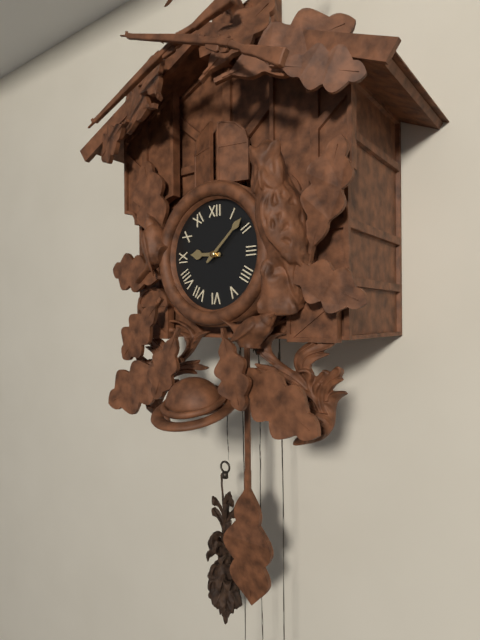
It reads **9:08**
